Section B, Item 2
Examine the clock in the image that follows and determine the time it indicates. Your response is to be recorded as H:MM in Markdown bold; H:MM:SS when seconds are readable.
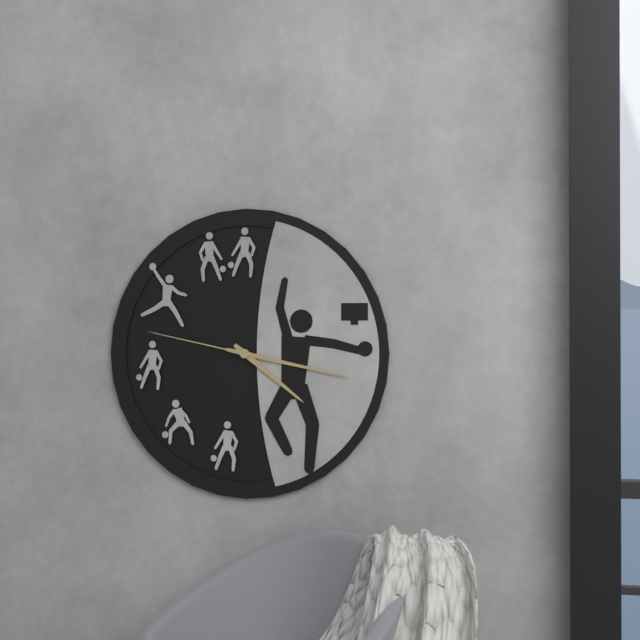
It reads **4:17:47**
